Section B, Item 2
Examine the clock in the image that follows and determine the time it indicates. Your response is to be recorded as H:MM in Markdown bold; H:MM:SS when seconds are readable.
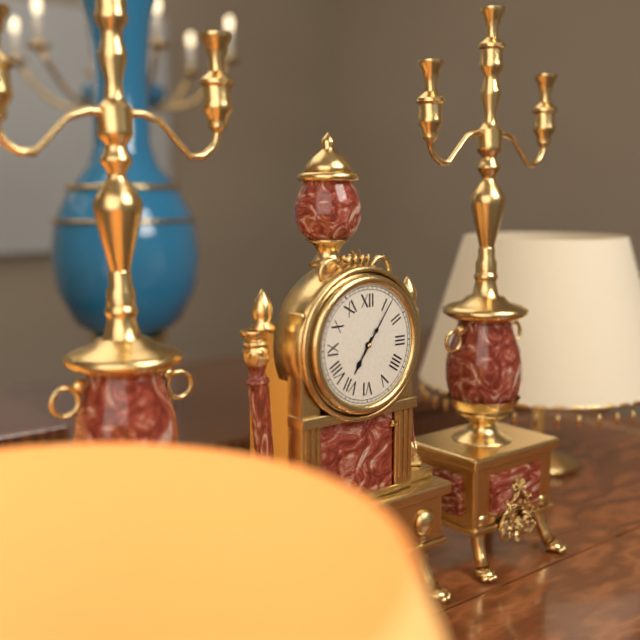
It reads **7:06**
